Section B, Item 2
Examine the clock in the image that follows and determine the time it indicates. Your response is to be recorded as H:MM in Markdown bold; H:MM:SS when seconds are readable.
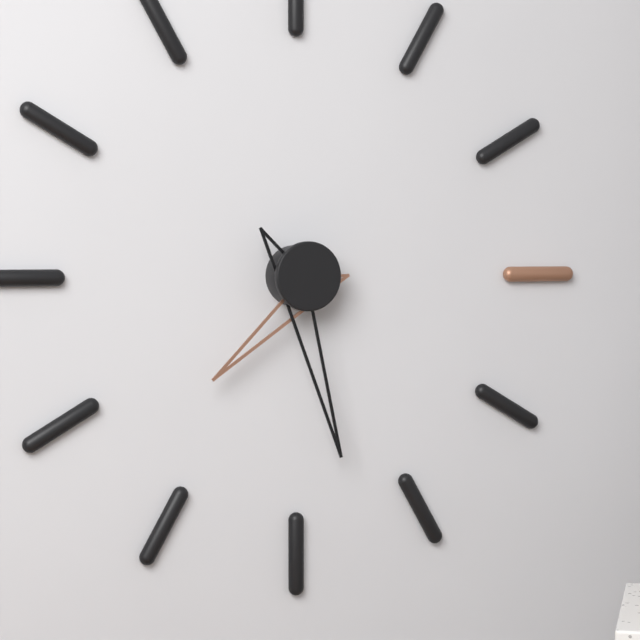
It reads **7:28**
